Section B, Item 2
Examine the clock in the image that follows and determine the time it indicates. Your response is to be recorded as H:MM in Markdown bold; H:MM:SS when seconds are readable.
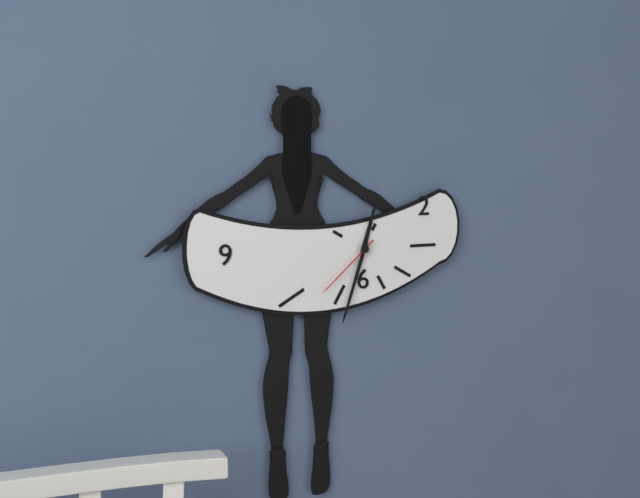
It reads **12:33:38**
